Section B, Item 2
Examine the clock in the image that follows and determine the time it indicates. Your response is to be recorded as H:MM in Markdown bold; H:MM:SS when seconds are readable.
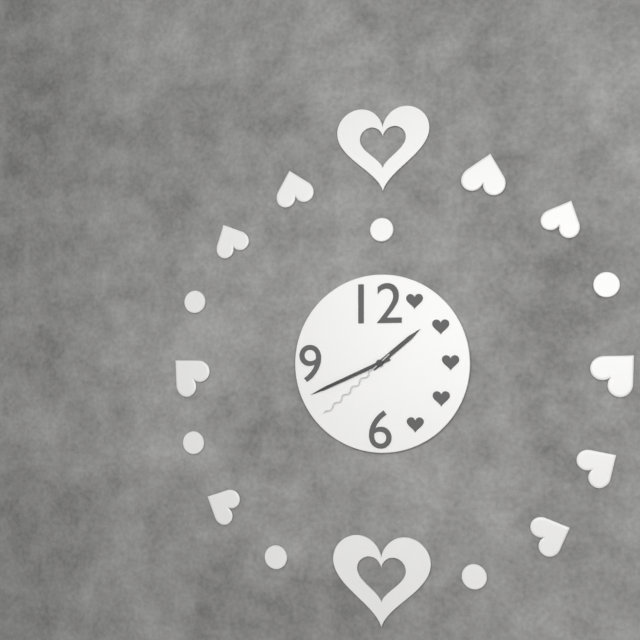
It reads **1:41:38**
